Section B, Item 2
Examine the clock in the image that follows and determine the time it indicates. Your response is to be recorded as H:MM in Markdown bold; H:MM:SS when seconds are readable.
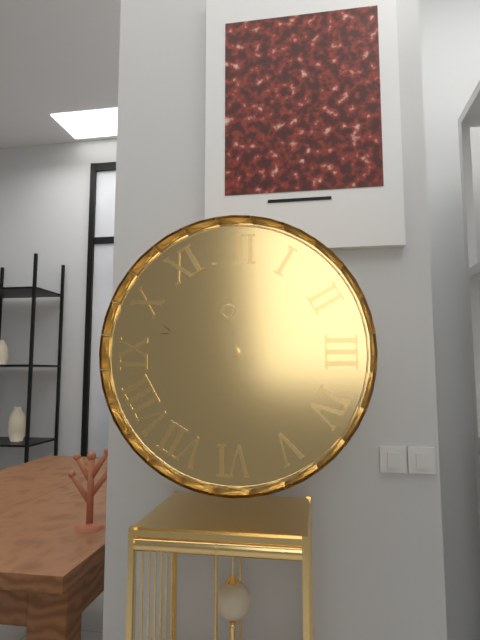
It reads **3:48**
